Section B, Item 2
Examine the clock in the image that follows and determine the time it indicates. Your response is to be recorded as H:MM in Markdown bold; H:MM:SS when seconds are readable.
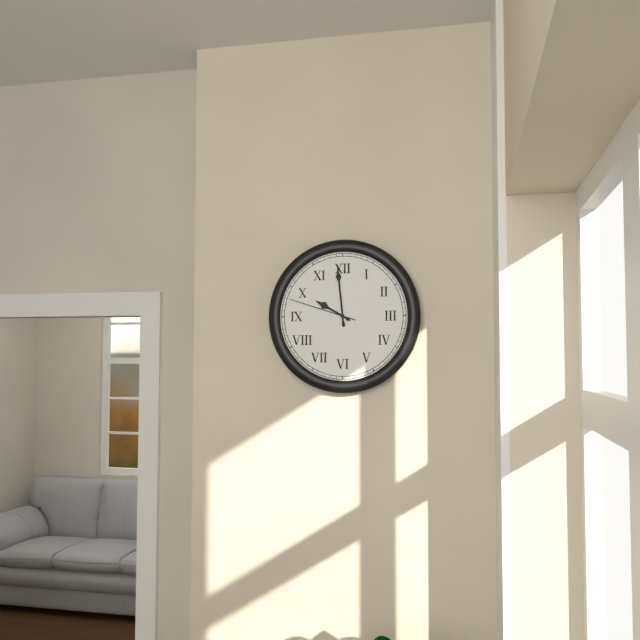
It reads **9:59:48**
